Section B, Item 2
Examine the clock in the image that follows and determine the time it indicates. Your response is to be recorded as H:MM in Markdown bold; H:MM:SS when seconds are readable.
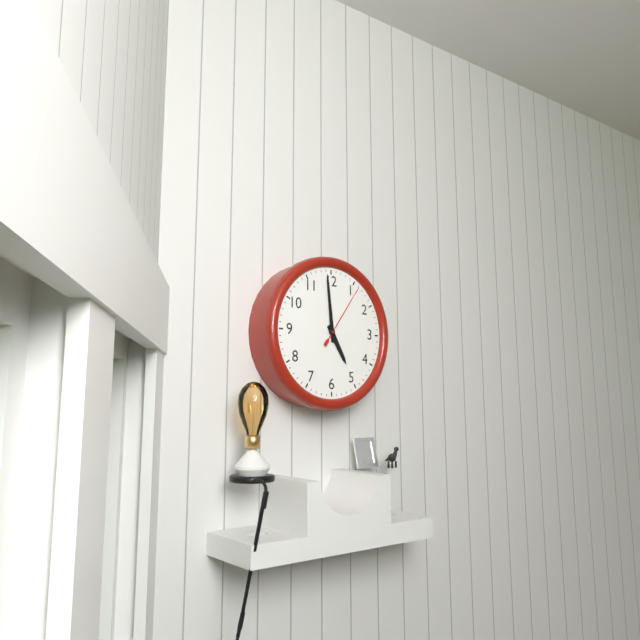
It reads **4:59:06**
